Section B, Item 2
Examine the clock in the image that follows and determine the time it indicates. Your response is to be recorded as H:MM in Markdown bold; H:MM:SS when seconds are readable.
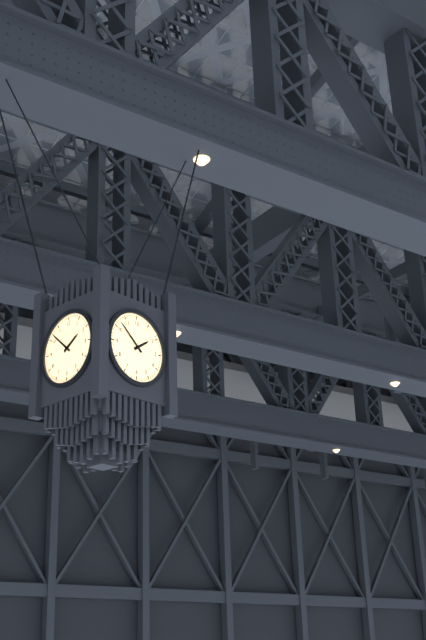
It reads **1:52**
